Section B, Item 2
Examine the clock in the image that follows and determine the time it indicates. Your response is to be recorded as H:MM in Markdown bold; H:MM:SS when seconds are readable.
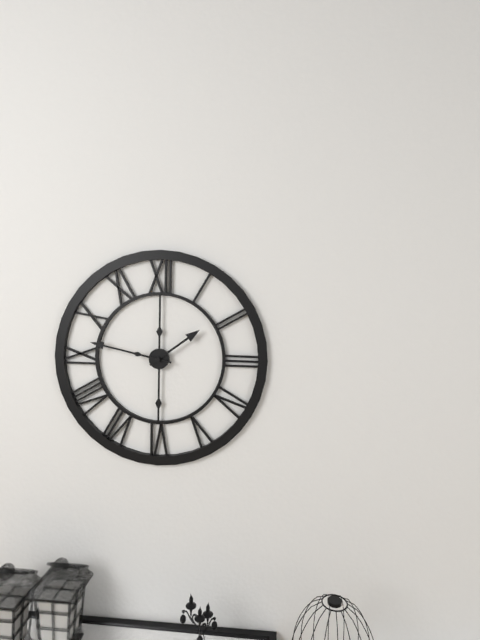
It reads **1:47**
